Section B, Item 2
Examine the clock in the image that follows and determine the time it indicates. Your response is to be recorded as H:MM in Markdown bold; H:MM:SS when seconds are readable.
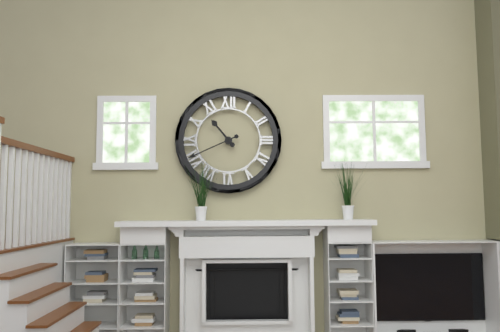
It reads **10:41**
